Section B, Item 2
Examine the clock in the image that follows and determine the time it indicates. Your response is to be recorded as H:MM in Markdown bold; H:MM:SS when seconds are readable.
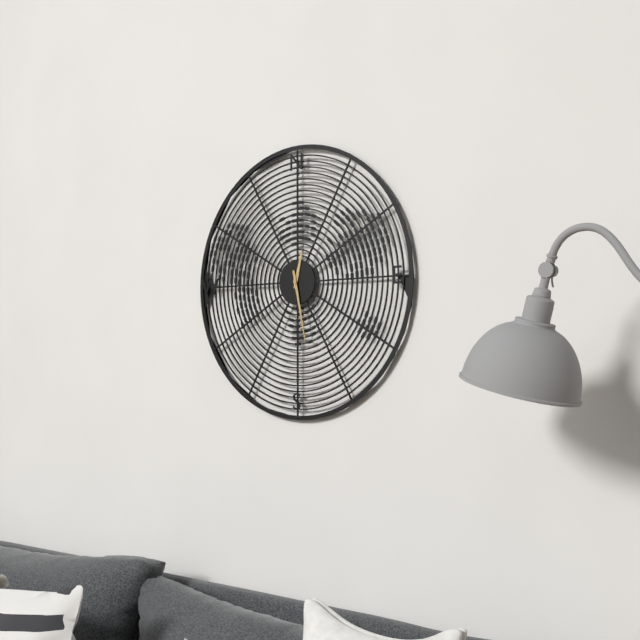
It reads **12:28**
